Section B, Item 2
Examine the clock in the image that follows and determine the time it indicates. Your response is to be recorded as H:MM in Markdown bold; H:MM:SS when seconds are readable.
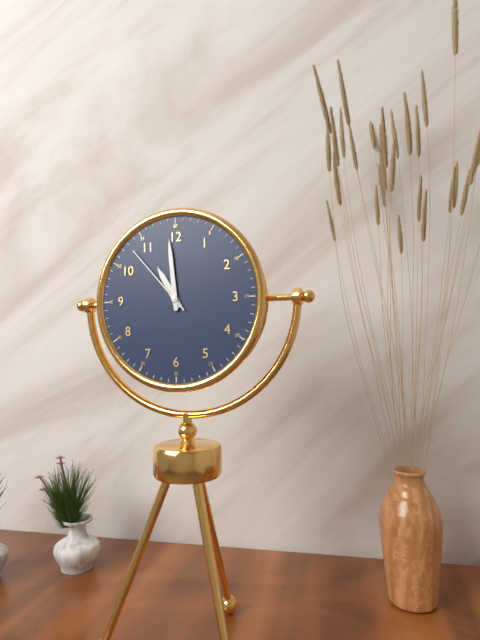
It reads **10:59:53**
